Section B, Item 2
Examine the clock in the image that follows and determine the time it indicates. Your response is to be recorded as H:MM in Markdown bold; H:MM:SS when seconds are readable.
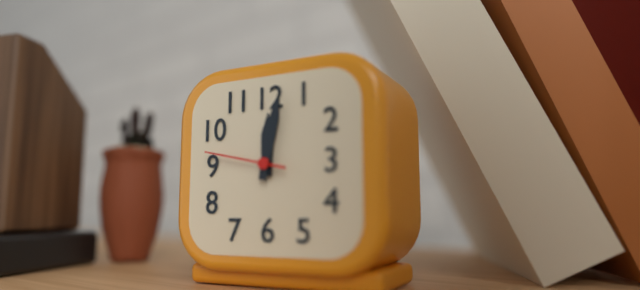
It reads **12:02:47**
